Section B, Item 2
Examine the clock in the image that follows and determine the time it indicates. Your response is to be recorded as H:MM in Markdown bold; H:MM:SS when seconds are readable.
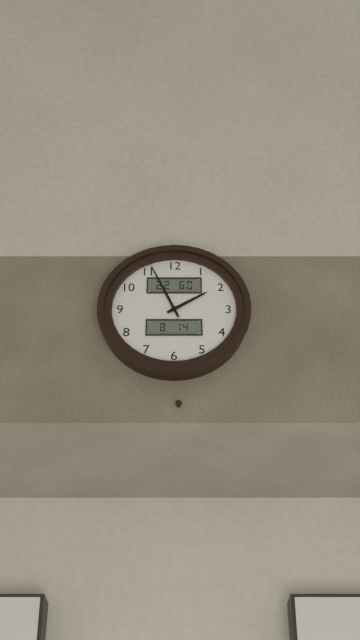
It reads **1:56**
